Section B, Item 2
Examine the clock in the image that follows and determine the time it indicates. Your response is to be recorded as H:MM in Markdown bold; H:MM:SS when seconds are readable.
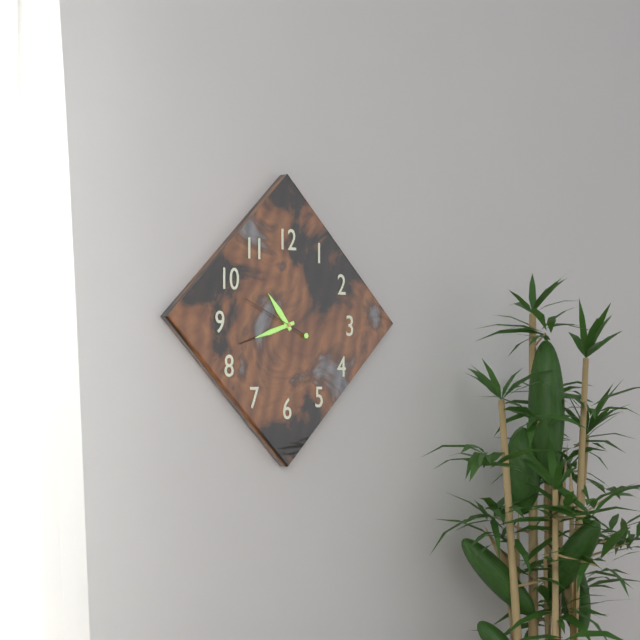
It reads **10:42:49**
